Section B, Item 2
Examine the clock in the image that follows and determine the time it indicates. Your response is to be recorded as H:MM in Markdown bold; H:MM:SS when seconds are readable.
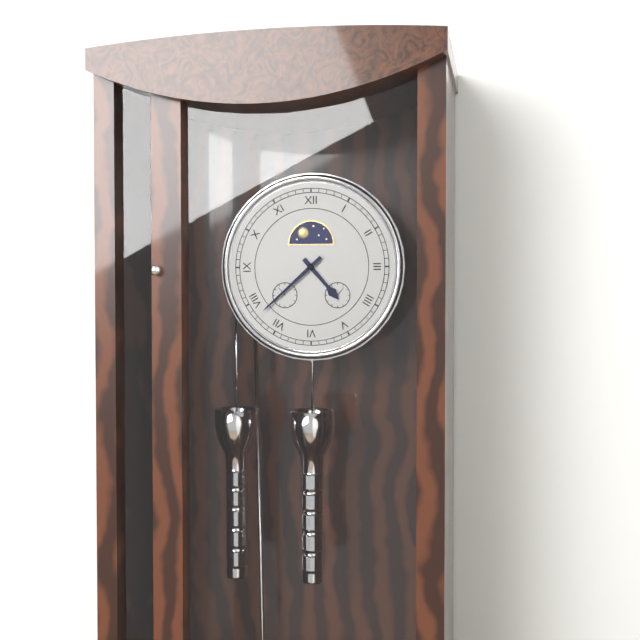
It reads **4:38**
